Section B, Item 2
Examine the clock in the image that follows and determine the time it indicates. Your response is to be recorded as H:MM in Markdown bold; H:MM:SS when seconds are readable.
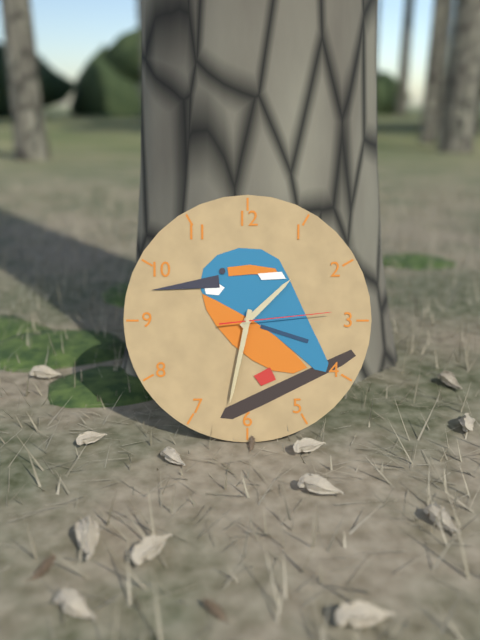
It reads **1:32:14**
